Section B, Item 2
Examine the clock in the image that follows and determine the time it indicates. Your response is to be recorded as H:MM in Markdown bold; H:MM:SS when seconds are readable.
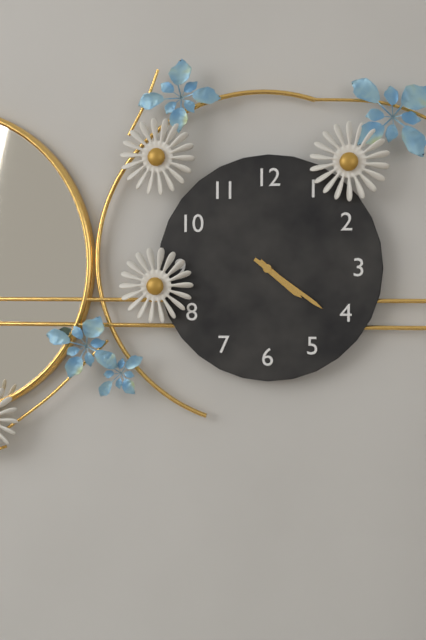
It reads **4:21**
